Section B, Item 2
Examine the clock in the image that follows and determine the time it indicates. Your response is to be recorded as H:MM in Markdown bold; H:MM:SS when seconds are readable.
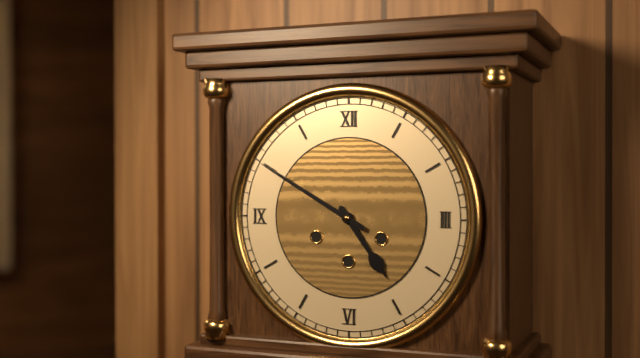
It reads **4:50**
